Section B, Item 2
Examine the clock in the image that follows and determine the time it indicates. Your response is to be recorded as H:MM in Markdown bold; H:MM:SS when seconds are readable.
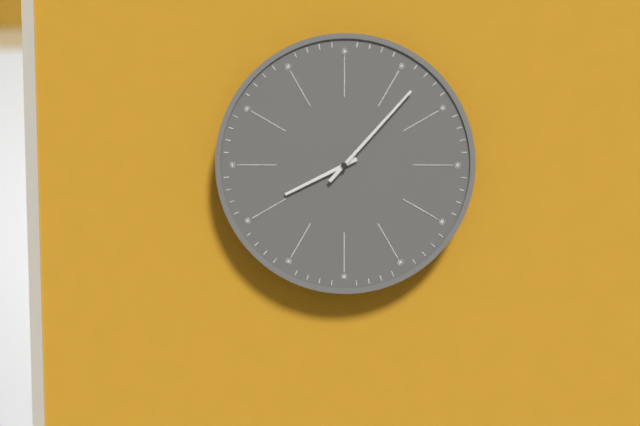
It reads **8:07**
